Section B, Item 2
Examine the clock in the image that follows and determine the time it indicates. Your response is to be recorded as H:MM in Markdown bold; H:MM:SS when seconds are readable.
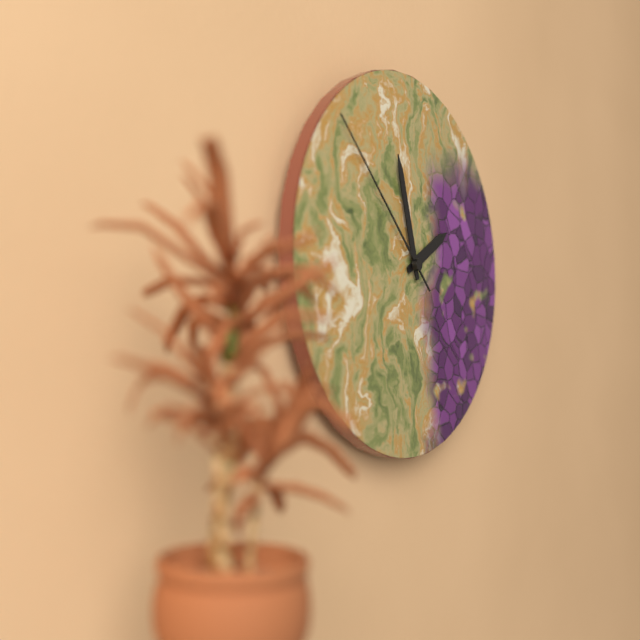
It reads **1:57:52**
